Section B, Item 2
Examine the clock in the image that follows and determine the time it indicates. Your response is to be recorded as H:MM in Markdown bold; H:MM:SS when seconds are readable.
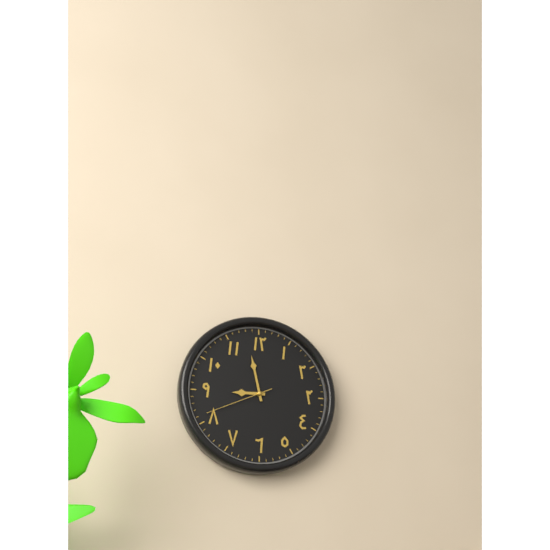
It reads **8:58:41**
